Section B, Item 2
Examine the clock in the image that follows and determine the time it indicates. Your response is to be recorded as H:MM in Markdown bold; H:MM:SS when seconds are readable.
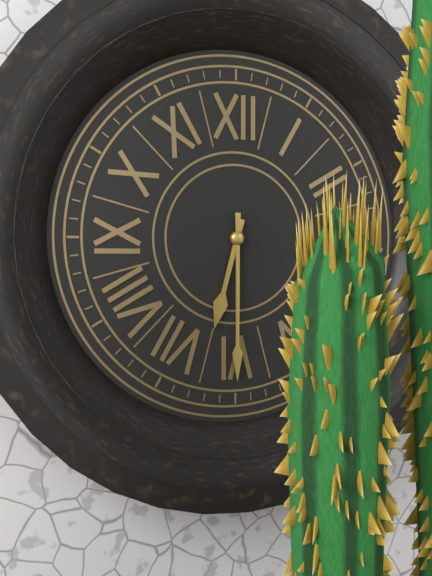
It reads **6:30**
